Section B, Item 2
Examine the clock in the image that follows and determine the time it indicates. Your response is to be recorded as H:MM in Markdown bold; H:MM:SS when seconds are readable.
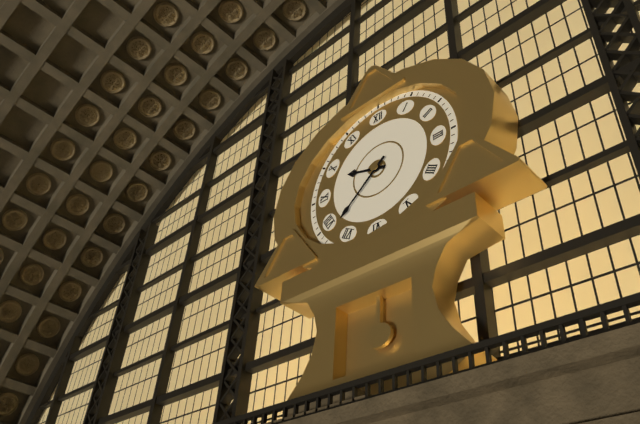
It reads **9:38**
